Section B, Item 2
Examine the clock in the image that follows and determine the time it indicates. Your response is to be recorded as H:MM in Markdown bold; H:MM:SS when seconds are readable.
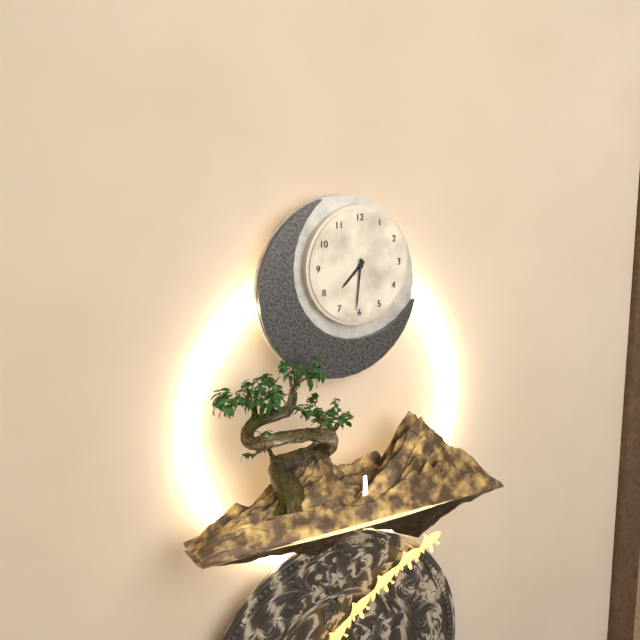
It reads **7:31**
